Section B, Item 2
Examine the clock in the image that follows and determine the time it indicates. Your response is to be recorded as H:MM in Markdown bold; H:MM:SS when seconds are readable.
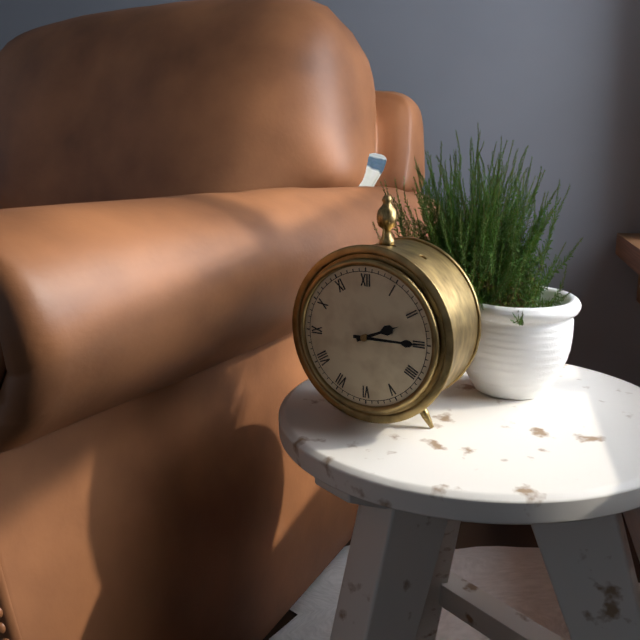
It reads **2:15**
